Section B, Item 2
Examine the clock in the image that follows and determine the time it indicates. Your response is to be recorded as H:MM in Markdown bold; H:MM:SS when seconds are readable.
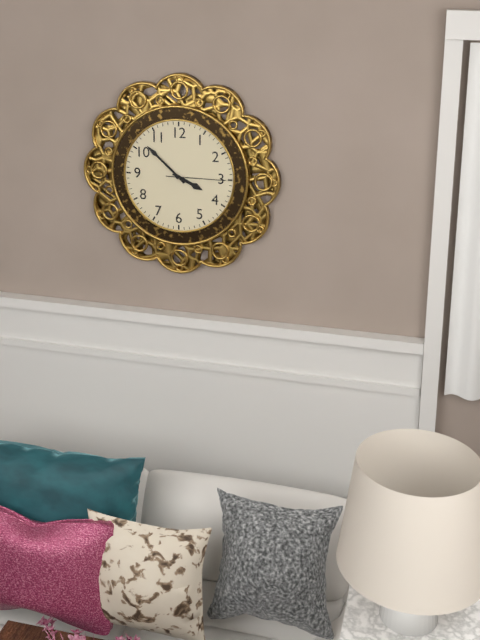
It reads **3:52:15**
